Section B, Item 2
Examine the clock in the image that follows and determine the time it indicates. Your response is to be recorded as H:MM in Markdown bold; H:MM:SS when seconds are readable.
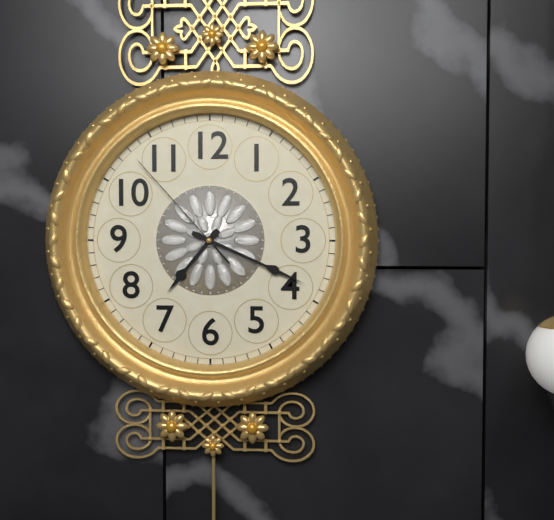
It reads **7:19:53**
